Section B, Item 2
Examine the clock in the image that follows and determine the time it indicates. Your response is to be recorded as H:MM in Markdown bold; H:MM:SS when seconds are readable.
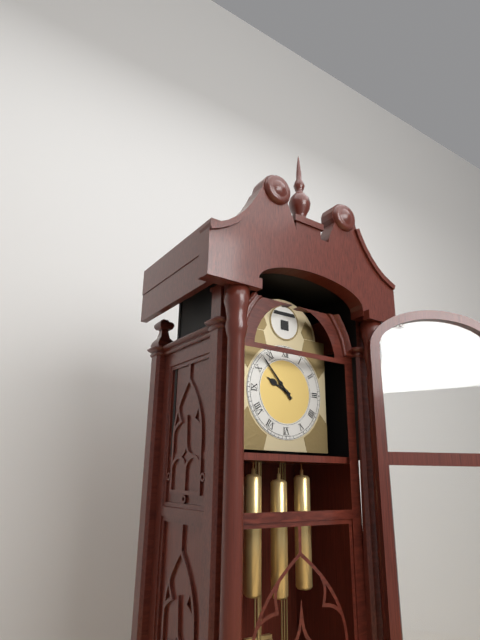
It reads **9:53**
